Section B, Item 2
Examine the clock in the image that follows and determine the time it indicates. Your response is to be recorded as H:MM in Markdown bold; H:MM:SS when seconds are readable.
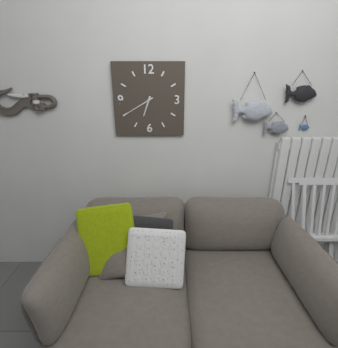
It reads **6:40**
